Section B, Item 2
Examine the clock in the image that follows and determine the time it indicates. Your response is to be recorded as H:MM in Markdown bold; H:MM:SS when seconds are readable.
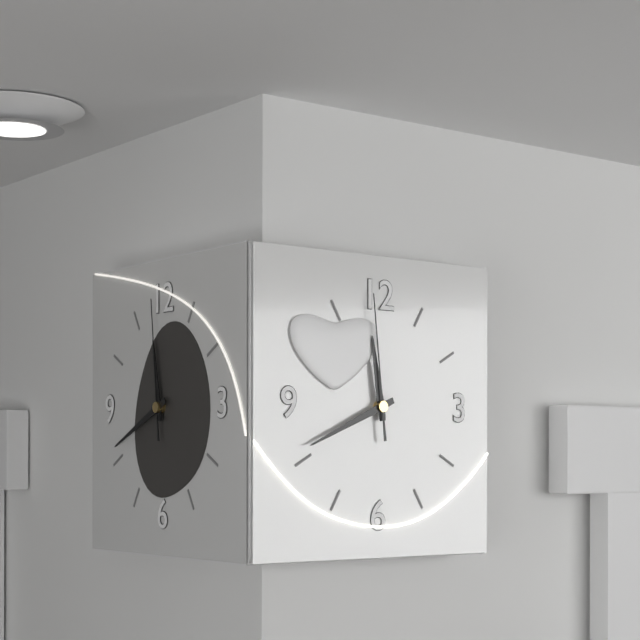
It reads **11:41:59**
